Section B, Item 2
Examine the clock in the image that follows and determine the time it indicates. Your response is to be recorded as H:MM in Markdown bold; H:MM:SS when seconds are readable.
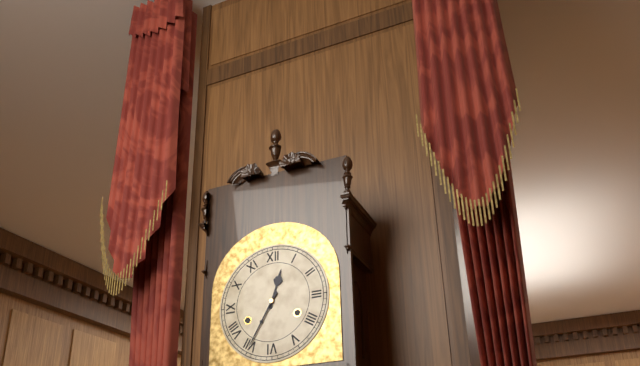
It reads **12:35**
